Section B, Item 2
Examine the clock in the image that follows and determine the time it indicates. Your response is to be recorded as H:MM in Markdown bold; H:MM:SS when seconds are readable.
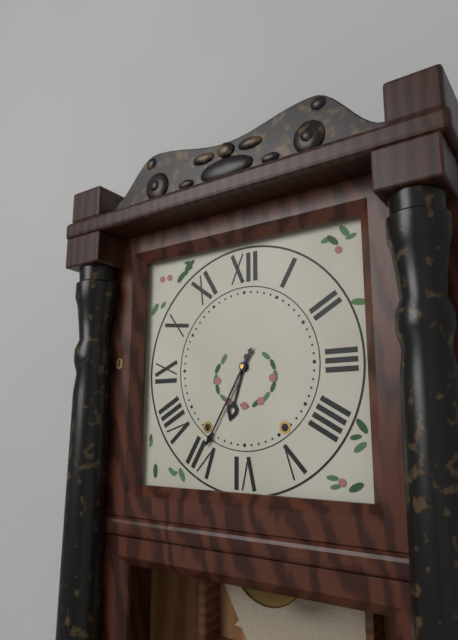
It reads **6:35**
